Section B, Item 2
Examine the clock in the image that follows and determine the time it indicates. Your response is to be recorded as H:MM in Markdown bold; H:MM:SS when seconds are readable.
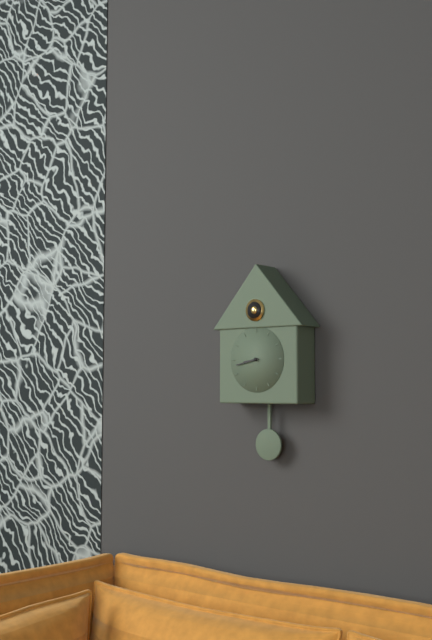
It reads **8:43**
